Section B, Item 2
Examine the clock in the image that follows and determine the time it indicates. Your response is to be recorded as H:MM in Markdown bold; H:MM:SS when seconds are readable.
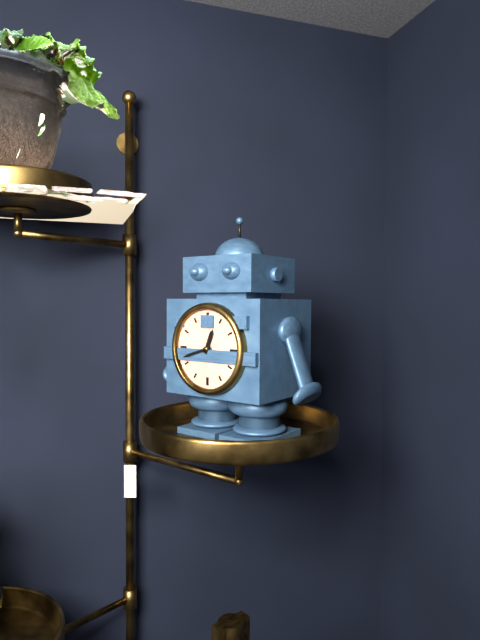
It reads **12:42**
